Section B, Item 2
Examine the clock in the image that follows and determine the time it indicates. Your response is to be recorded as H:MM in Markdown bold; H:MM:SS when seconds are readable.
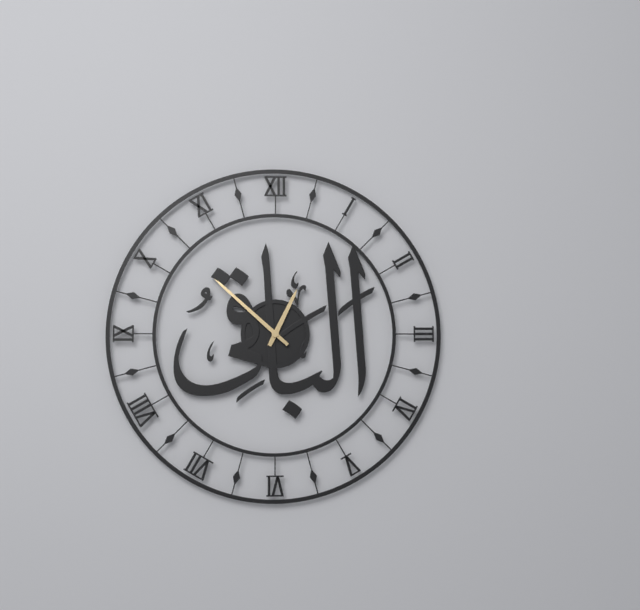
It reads **12:52**
